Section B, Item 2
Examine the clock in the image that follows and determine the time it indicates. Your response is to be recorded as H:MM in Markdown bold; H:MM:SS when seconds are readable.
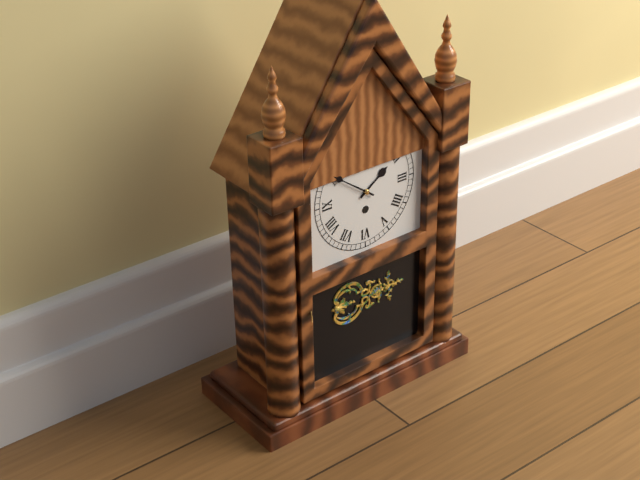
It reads **1:51**
